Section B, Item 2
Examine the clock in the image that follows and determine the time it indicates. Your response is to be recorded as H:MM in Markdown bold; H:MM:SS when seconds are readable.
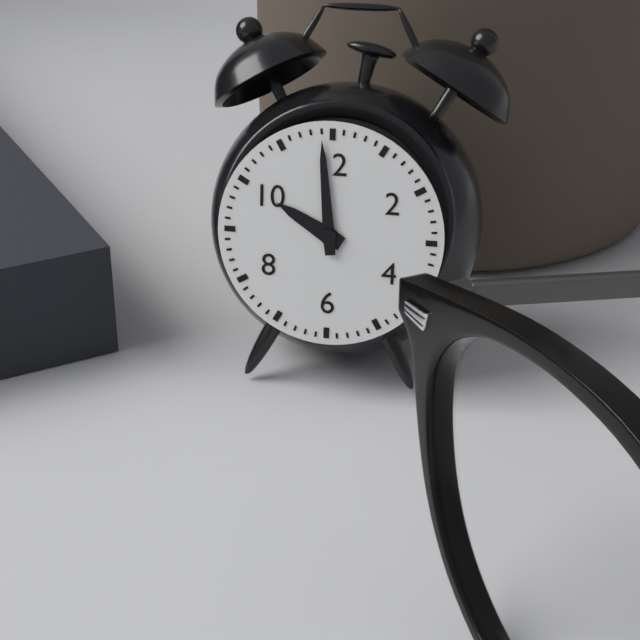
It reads **9:59**
